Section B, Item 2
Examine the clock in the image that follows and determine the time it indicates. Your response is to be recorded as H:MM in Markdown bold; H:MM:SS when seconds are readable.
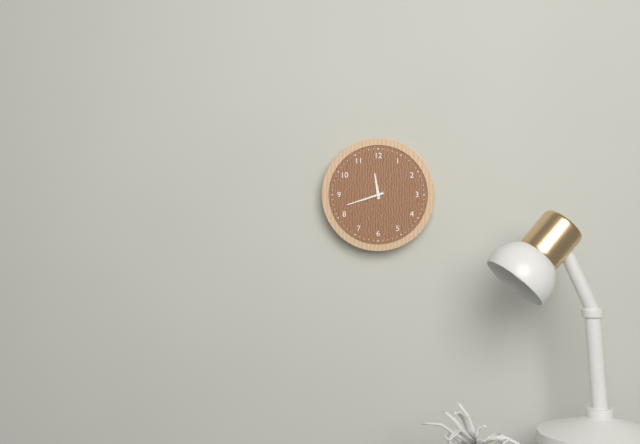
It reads **11:42**
